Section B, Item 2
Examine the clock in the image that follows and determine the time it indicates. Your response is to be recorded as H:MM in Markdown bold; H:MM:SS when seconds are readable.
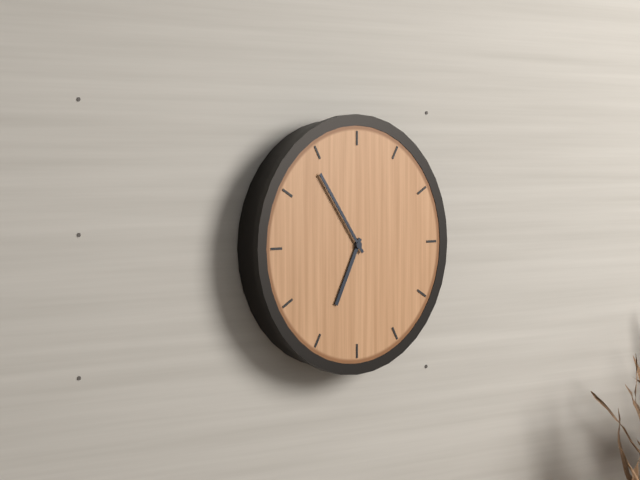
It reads **6:54**
